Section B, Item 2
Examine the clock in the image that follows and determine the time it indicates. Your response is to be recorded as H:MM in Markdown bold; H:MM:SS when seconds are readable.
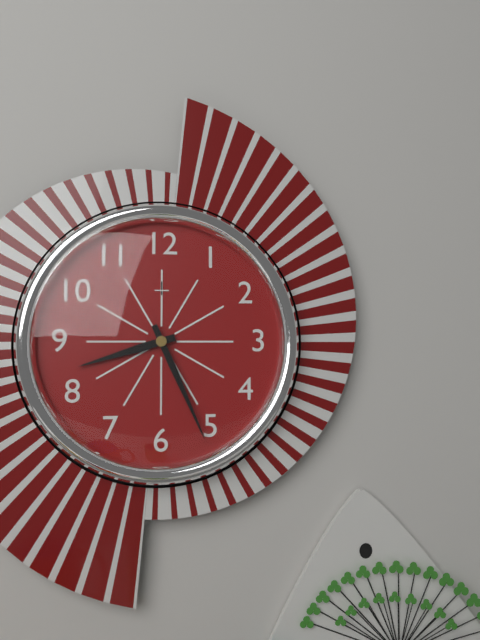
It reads **8:26**
